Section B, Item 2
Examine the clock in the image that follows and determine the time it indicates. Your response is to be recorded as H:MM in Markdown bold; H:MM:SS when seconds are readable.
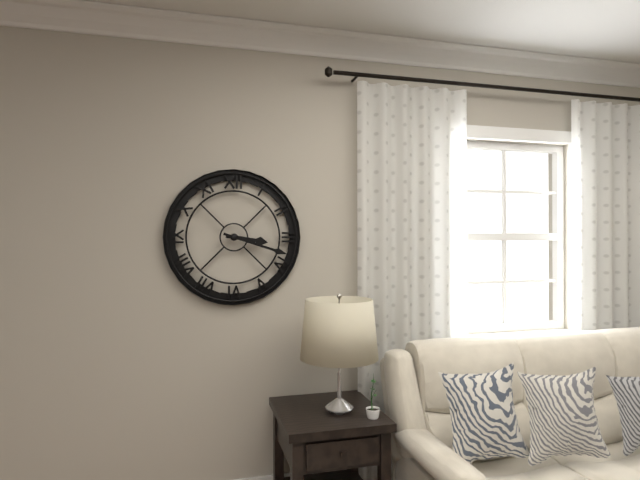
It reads **3:18**
